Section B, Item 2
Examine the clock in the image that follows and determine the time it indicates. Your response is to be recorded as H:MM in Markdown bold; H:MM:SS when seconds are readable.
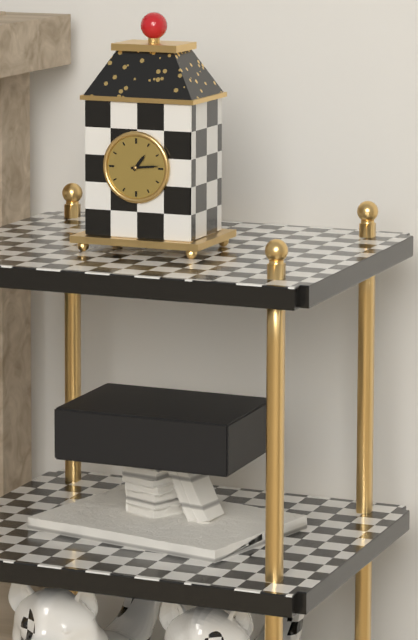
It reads **1:14**
